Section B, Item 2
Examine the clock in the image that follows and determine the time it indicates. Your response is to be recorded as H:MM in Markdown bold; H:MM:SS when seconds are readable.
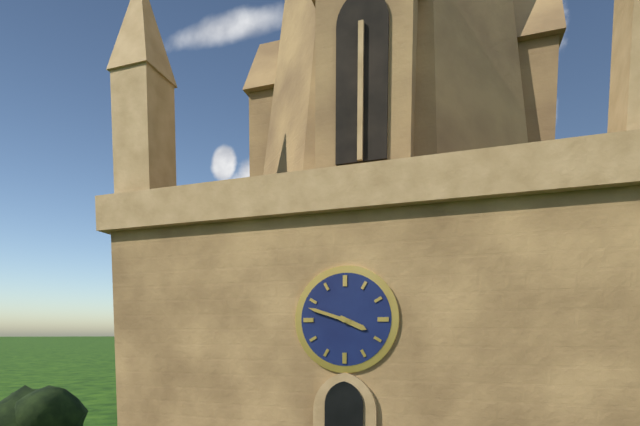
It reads **3:48**
